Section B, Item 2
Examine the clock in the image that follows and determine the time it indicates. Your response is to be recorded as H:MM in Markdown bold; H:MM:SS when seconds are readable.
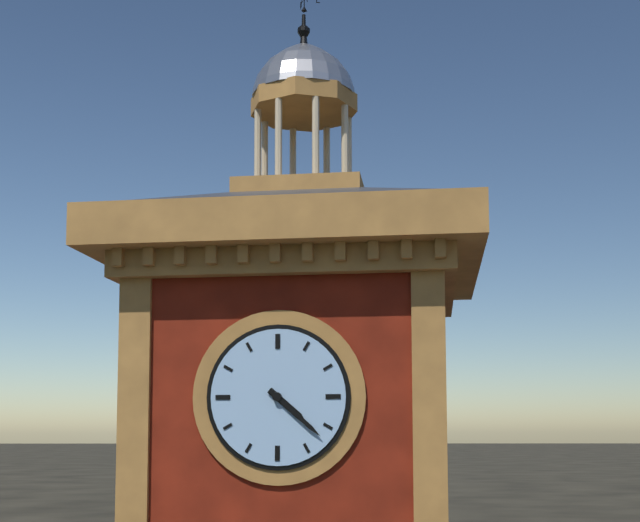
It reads **4:22**
